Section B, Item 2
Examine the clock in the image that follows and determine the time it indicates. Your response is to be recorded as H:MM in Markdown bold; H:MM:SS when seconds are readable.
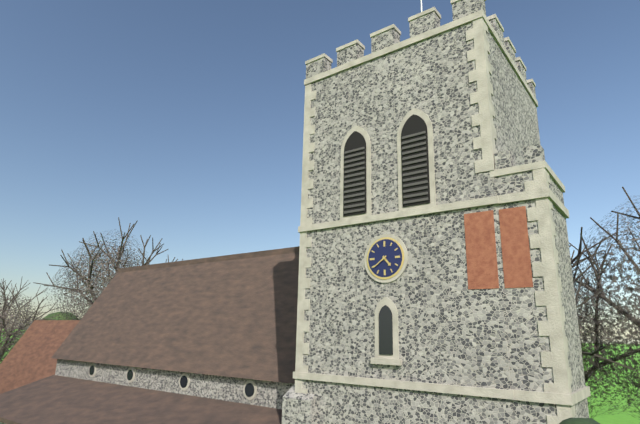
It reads **4:39**
